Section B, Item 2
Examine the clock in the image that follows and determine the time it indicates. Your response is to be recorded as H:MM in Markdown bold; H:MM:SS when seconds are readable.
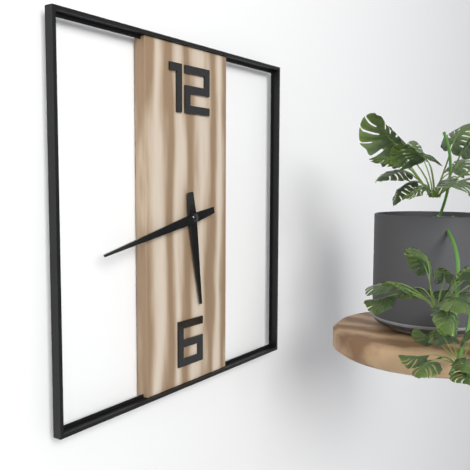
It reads **5:43**
